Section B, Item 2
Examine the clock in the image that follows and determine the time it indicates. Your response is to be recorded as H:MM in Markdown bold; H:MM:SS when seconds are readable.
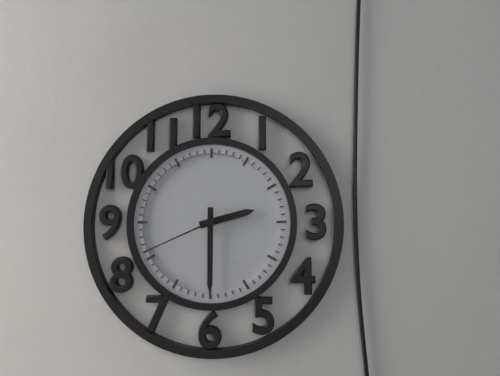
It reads **2:30:41**
